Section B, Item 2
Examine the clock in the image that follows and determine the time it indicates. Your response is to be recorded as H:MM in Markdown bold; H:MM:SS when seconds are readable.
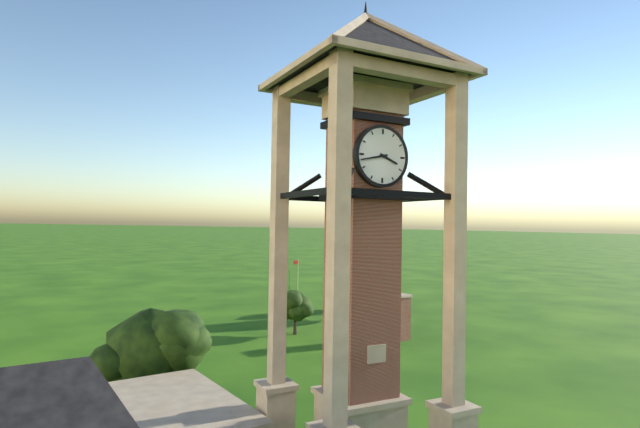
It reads **3:43**
